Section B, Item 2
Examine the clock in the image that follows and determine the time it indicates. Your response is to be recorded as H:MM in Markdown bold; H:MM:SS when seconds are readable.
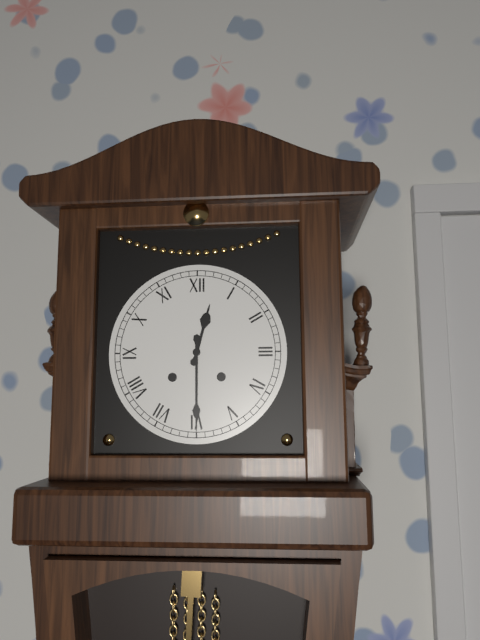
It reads **12:30**
